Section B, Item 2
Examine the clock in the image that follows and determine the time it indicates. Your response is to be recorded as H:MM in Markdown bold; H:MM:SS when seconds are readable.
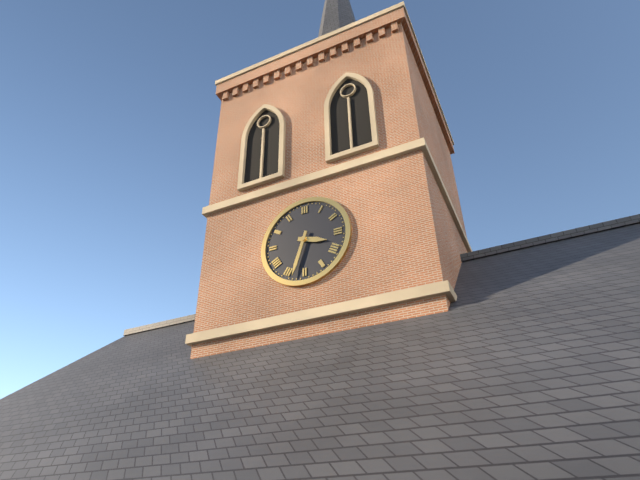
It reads **3:33**
